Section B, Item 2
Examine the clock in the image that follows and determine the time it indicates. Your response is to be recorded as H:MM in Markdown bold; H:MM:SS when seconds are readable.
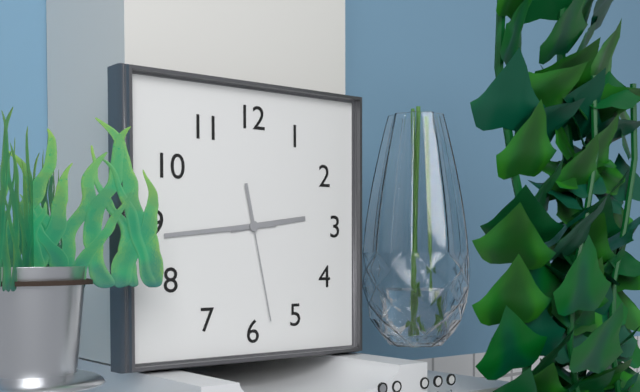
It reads **2:44:28**
